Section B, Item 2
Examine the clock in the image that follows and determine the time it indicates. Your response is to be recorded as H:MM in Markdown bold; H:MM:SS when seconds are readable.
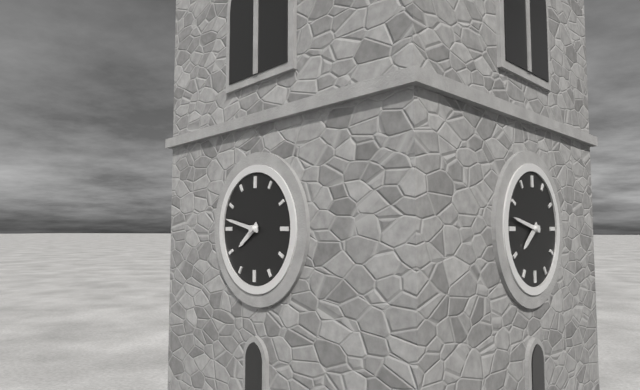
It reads **7:47**
